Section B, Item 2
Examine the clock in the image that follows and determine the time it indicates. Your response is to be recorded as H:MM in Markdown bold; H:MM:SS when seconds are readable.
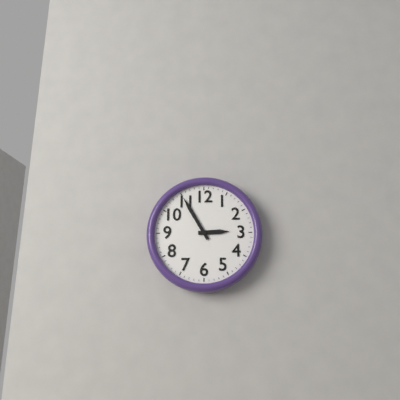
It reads **2:55**
